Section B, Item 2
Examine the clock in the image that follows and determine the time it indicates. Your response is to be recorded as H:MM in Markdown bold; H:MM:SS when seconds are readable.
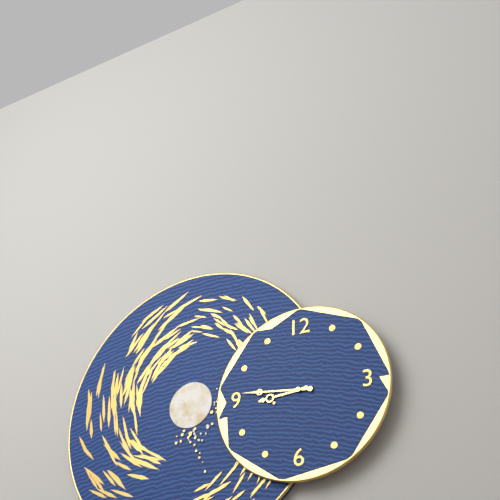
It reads **8:46**
